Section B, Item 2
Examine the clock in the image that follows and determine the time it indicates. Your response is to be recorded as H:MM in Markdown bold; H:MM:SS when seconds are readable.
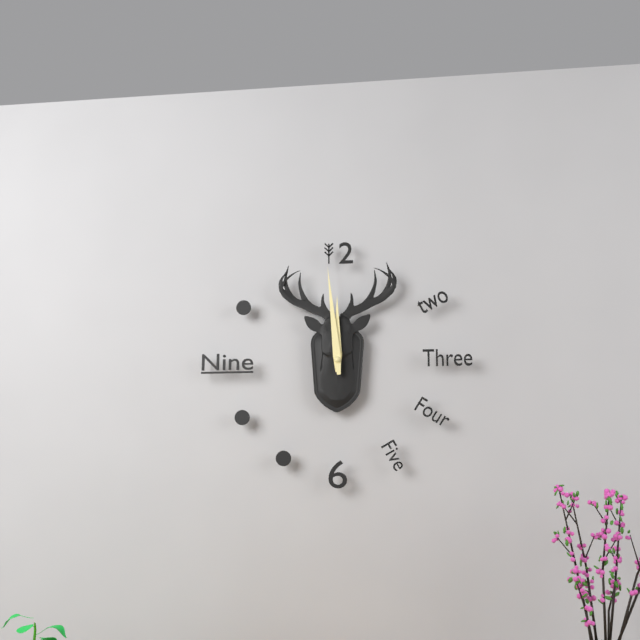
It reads **11:59**
